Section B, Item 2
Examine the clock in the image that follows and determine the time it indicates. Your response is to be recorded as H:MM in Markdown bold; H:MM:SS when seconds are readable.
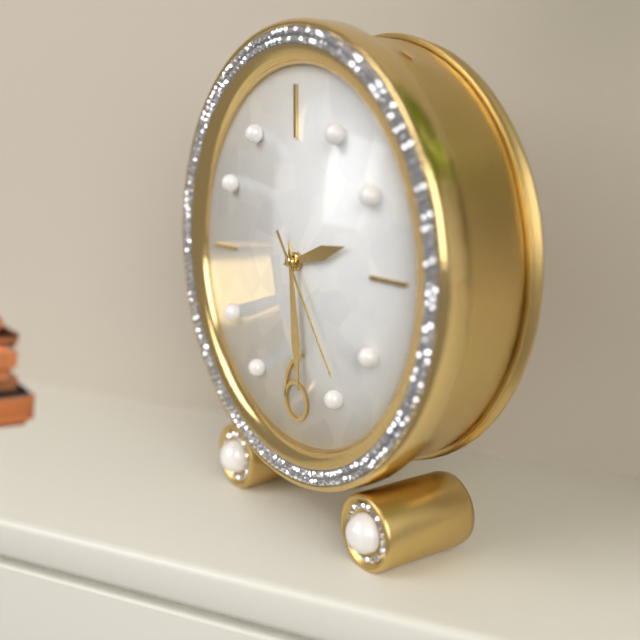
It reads **2:29:24**
